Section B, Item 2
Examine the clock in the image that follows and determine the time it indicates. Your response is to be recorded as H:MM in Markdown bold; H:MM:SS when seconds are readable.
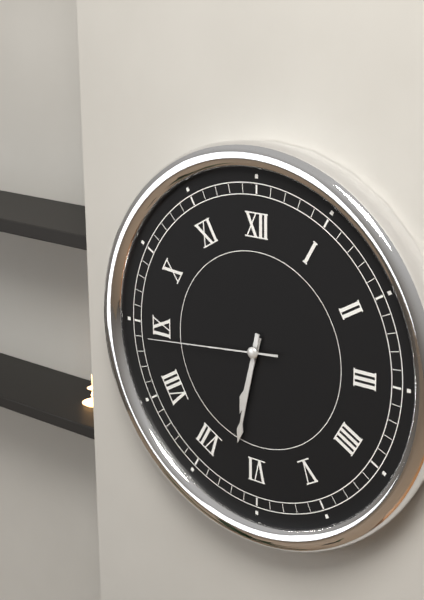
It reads **6:32:44**
